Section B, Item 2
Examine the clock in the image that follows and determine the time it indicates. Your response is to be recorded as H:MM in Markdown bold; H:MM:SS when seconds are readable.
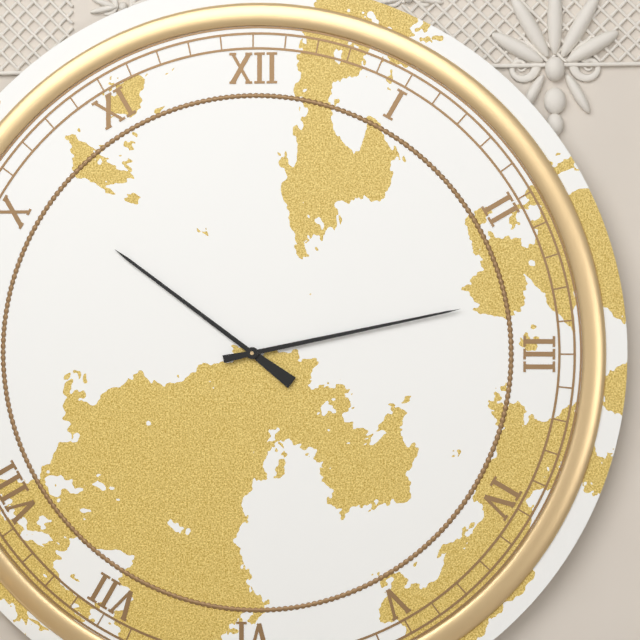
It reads **10:13**
